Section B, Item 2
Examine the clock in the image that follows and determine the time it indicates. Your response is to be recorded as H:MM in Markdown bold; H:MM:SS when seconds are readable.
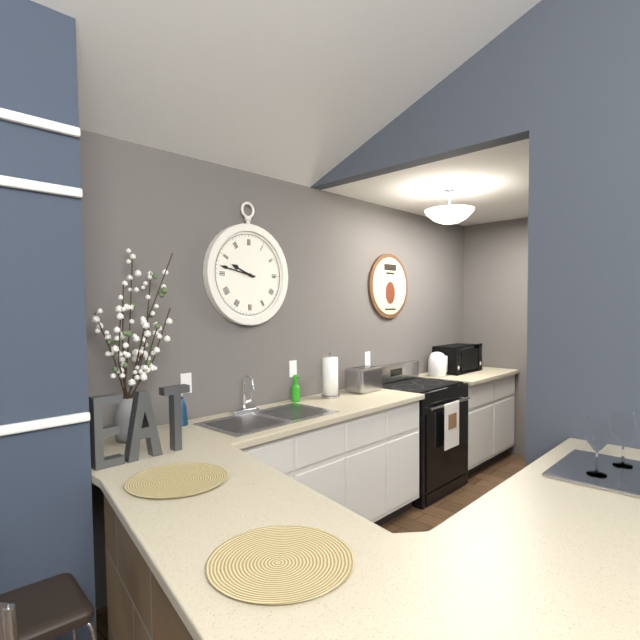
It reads **9:47**
